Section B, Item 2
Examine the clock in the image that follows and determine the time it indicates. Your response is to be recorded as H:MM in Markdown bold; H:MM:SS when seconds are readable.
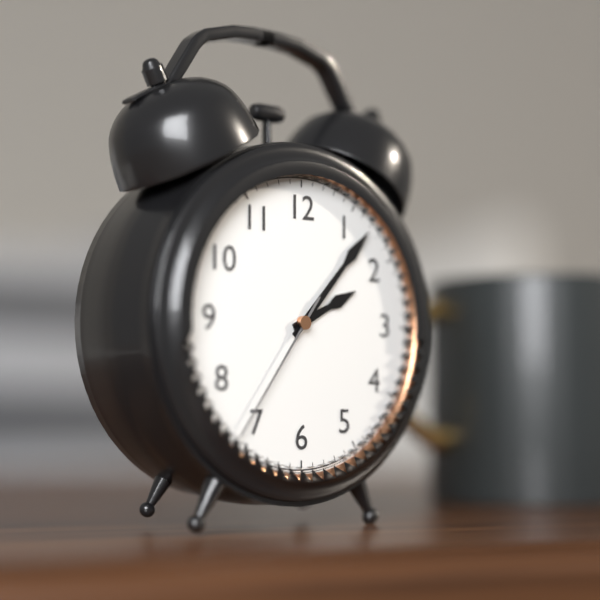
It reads **2:07:36**
